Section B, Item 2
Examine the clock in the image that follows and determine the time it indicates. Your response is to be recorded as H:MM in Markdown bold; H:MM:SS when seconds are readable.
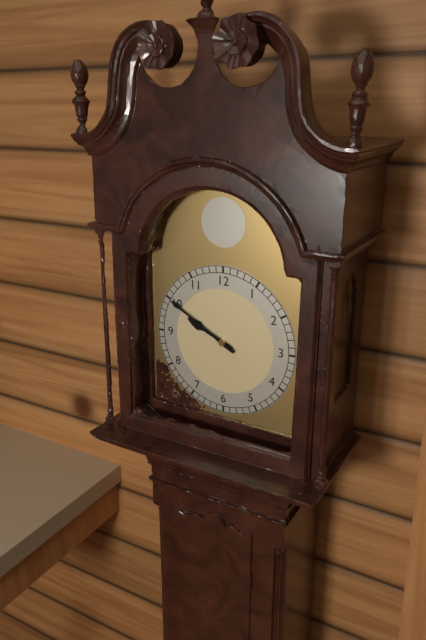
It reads **9:50**
